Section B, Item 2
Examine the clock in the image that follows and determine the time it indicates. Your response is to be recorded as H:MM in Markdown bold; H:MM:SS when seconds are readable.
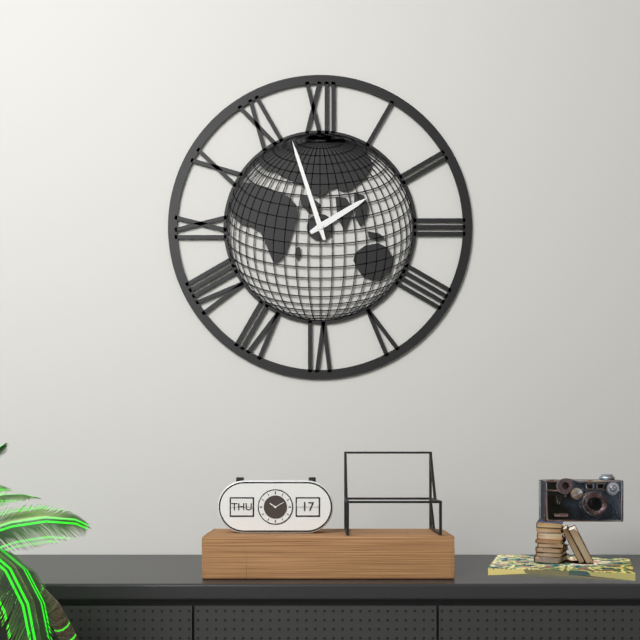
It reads **1:57**
